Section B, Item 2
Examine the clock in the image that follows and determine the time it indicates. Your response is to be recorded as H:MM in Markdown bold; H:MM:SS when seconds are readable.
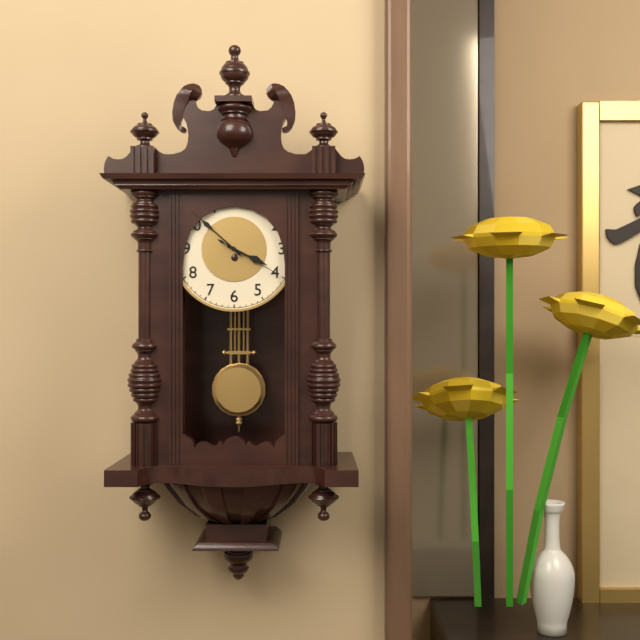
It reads **3:52:20**
